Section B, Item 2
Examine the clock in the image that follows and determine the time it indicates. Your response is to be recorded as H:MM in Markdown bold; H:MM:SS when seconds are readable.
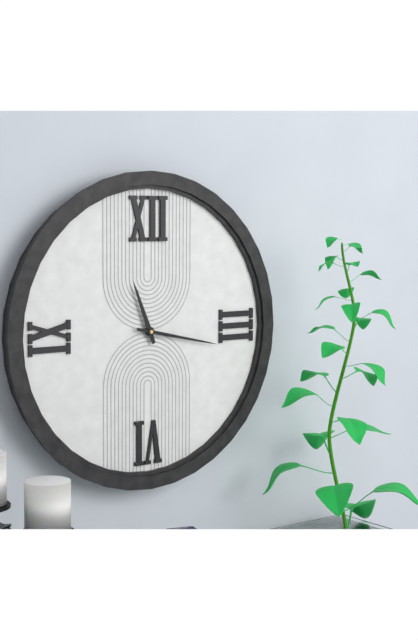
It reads **11:17**
